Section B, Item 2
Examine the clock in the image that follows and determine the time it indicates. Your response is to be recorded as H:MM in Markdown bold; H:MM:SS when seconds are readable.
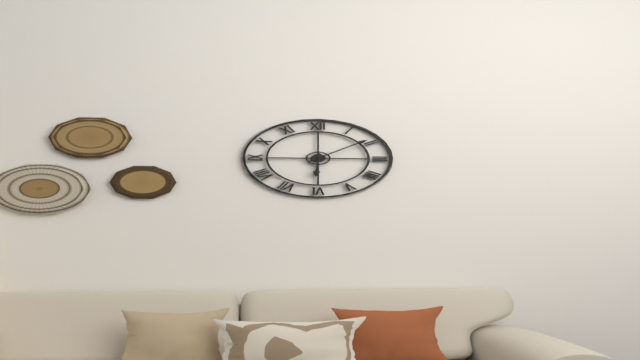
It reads **6:09**
